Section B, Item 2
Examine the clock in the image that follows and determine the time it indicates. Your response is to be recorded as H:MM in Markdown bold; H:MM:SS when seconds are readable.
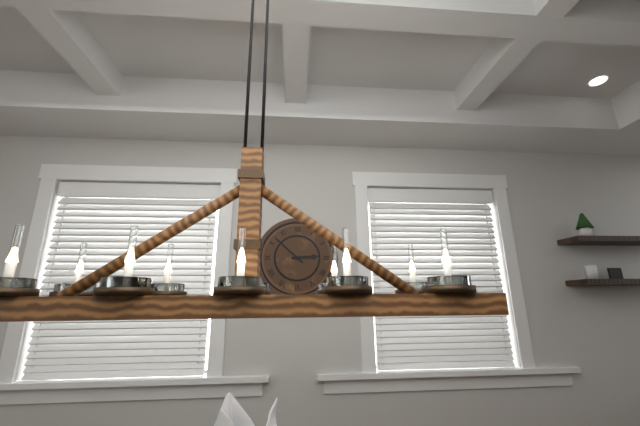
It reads **2:52**
